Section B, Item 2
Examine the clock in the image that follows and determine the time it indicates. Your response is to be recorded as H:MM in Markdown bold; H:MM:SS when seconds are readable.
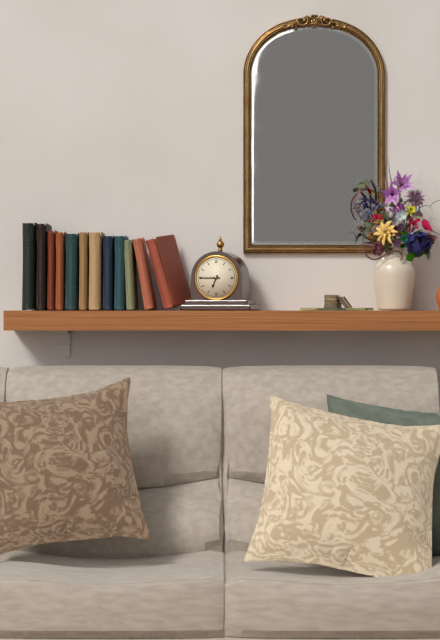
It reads **6:45**
